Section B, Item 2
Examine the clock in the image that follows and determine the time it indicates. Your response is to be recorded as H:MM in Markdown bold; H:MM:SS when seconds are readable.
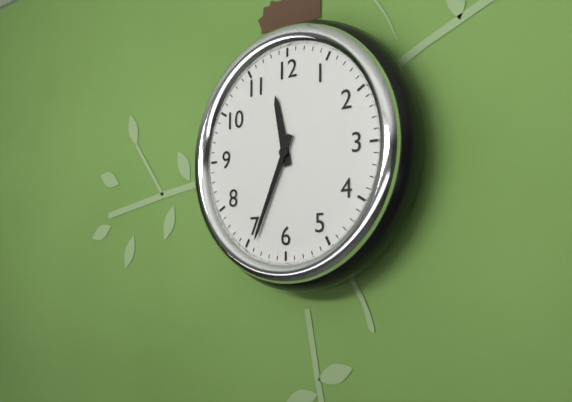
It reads **11:34**
